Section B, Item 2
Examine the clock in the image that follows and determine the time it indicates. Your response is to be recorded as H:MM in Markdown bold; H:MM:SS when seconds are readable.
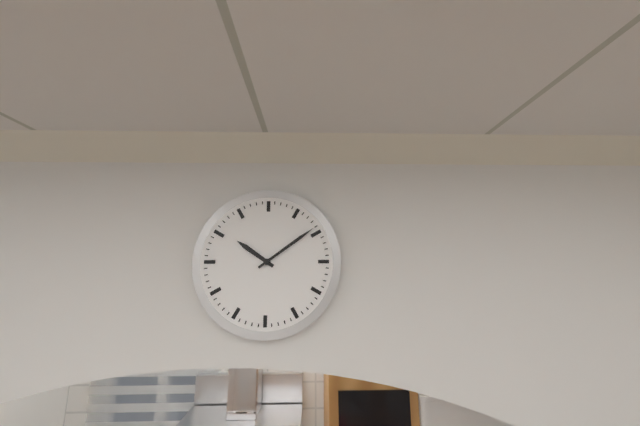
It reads **10:09**
